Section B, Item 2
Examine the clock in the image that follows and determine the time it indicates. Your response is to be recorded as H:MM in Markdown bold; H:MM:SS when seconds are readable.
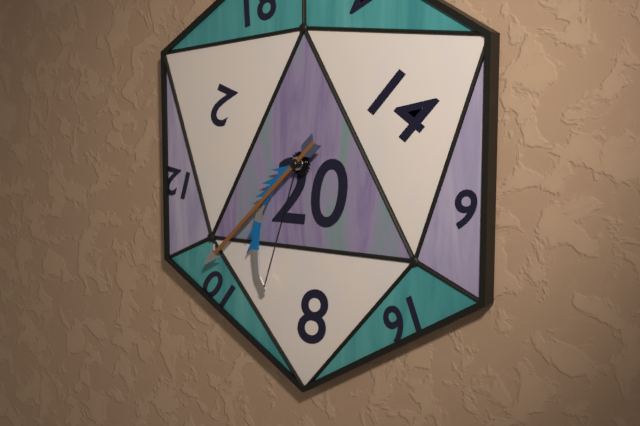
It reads **6:38**
